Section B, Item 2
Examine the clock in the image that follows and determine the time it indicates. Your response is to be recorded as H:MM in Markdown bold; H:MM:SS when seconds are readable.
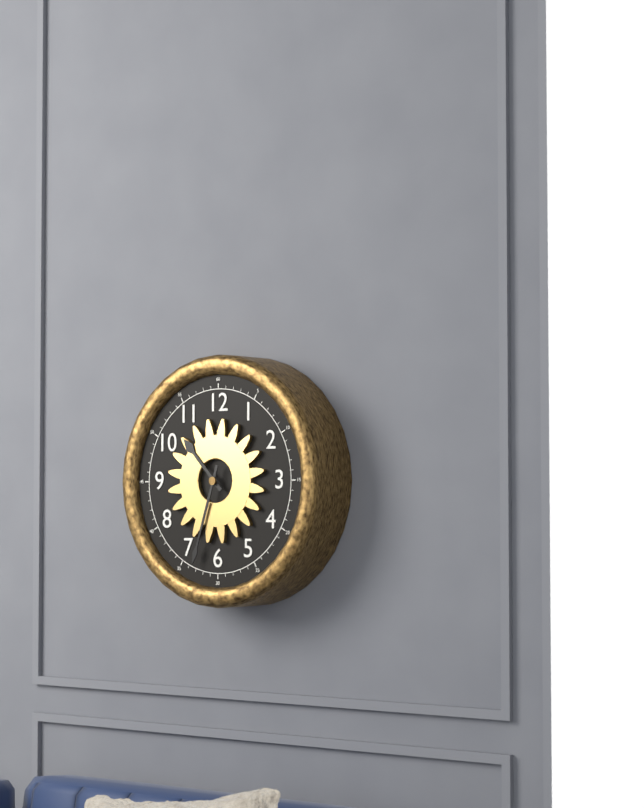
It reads **10:33**
